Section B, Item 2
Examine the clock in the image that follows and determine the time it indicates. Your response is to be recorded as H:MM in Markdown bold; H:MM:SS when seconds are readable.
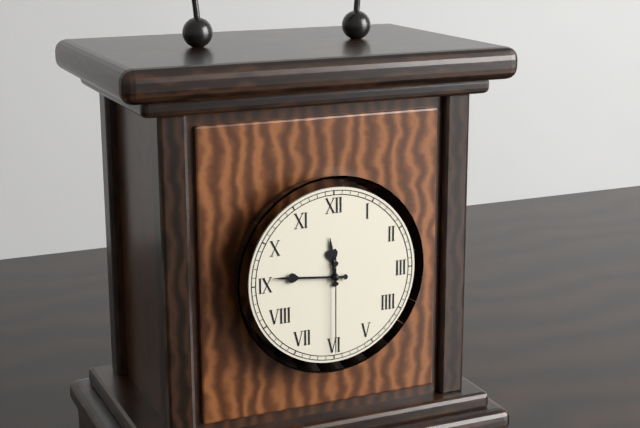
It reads **11:46:30**
